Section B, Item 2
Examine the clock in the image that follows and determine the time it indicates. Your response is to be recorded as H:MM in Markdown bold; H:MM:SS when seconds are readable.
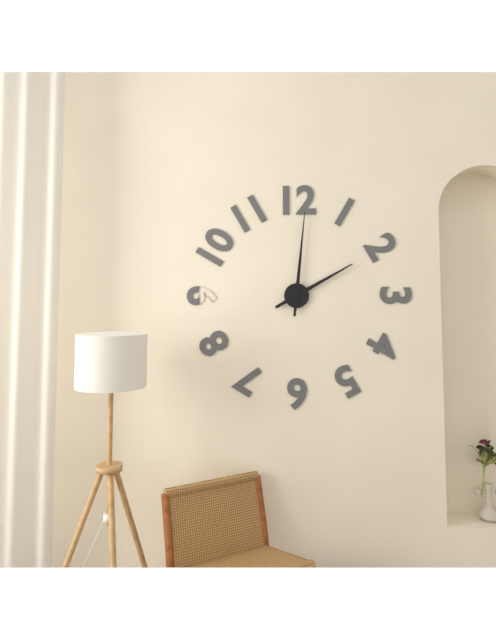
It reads **2:01**
